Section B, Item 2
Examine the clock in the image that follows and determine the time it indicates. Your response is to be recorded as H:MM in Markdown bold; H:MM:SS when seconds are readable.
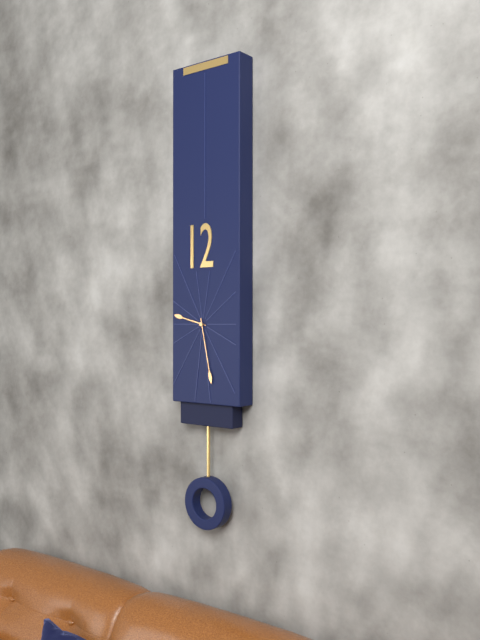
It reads **9:28**
